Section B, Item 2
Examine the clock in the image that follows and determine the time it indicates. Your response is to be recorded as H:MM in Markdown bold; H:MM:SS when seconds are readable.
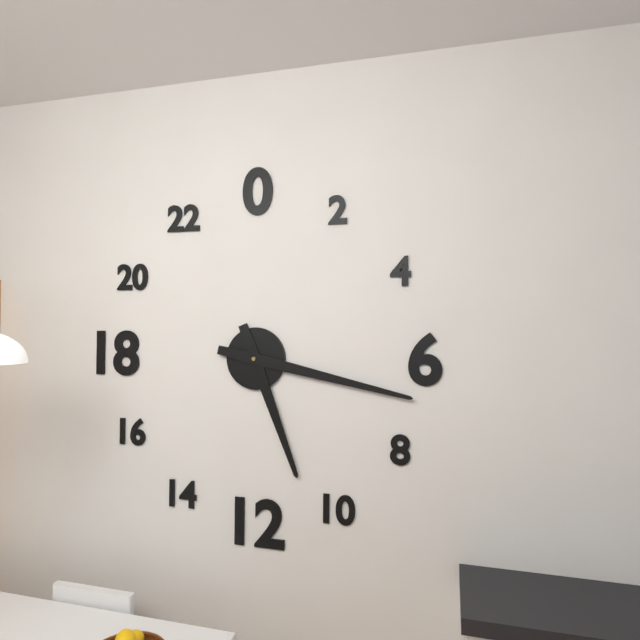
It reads **5:17**
